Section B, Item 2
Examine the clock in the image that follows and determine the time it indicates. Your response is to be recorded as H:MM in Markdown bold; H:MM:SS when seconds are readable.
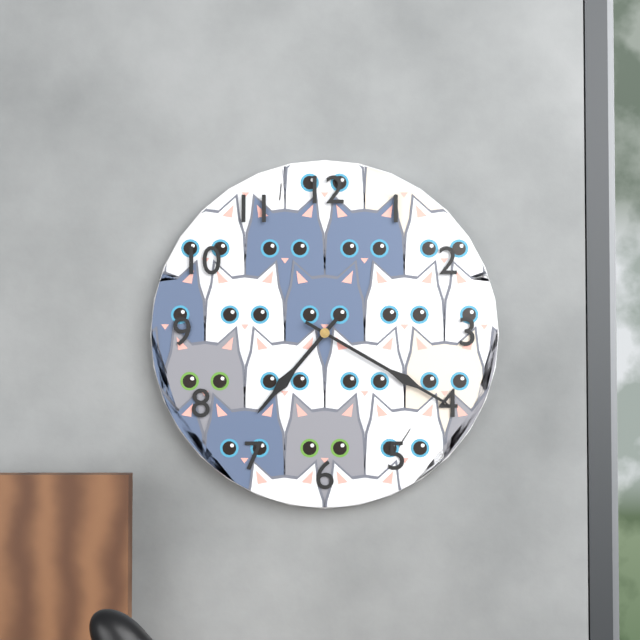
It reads **7:20**
